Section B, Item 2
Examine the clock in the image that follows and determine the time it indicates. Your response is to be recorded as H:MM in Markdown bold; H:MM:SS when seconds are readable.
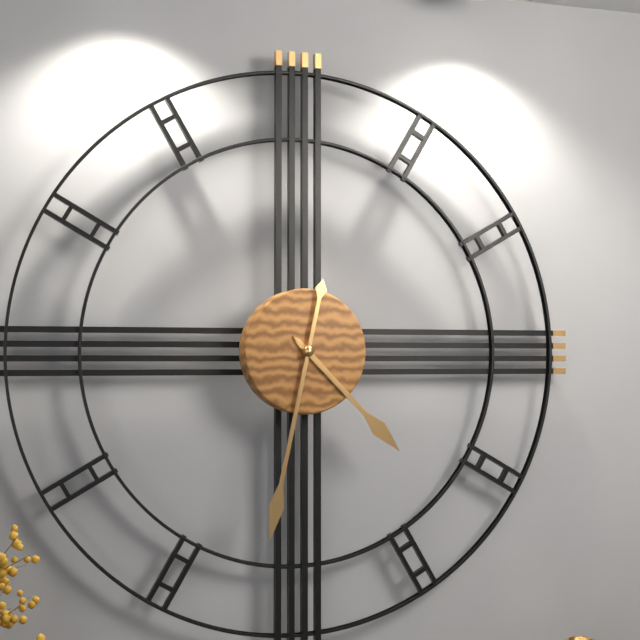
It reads **4:32**
